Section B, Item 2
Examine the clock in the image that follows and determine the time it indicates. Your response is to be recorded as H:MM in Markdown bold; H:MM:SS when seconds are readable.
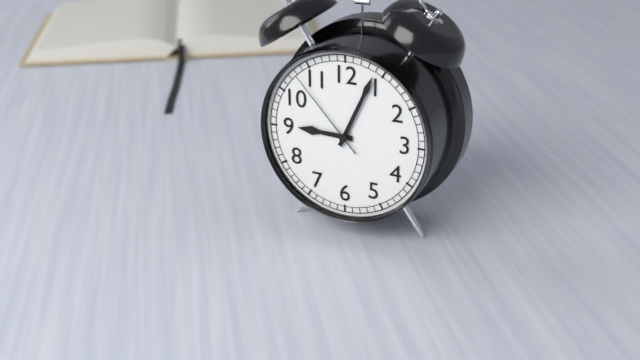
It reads **9:04:53**
